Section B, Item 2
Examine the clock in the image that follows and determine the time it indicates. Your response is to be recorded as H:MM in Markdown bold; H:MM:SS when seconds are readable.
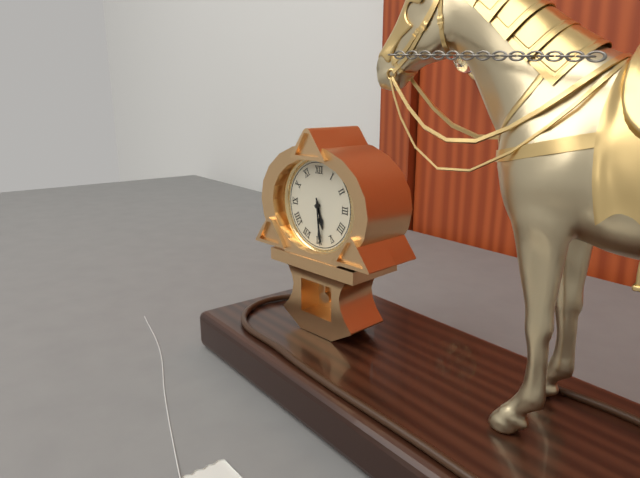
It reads **5:29**
